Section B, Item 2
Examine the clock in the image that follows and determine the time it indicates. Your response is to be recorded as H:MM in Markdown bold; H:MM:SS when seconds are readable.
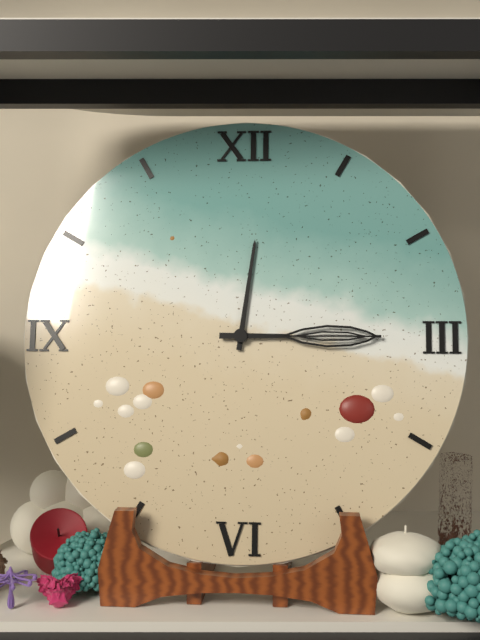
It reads **12:15**
